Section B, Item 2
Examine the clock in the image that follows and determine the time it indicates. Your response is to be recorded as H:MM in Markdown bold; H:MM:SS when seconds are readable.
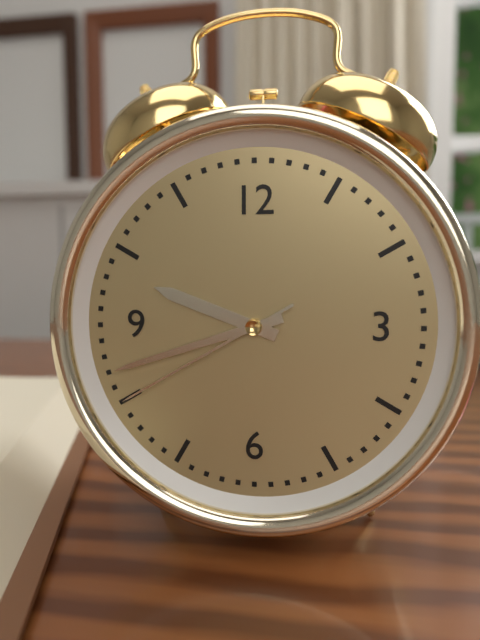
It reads **9:42:40**
